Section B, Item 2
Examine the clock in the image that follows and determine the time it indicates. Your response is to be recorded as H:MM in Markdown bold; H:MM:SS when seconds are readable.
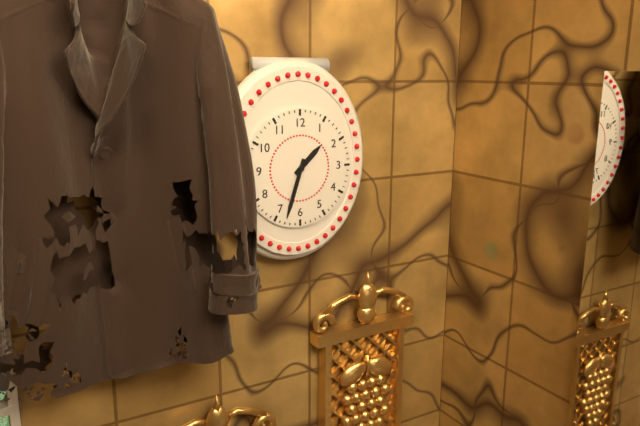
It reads **1:33**
